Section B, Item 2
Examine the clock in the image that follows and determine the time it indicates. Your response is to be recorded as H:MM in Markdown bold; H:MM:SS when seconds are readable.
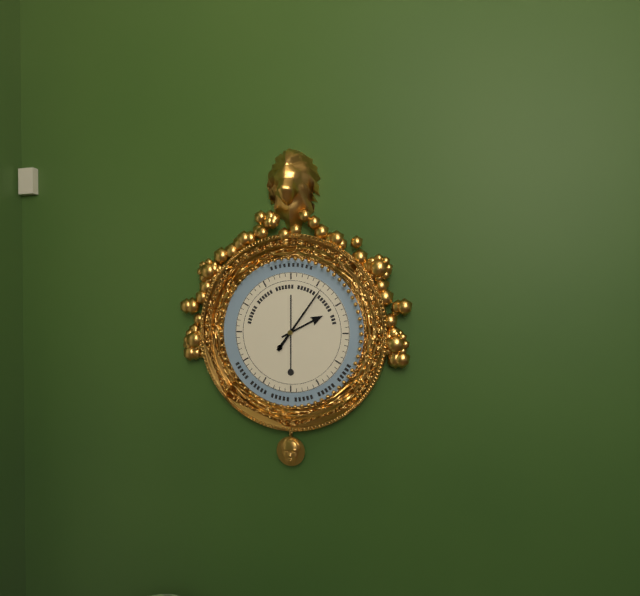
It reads **2:06**
